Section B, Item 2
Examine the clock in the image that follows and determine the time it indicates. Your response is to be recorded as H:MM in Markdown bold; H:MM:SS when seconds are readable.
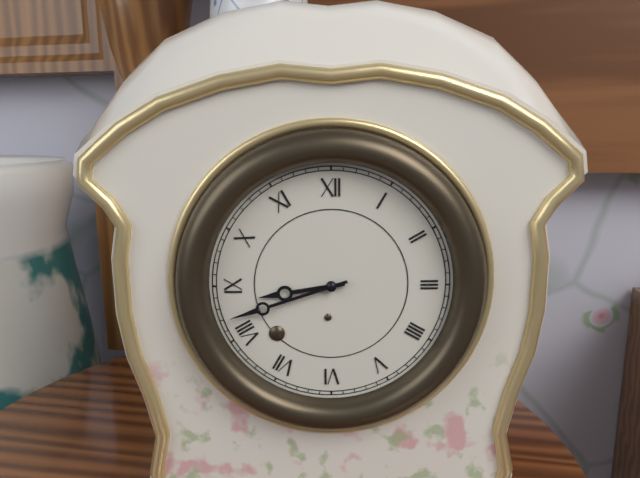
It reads **8:42**
